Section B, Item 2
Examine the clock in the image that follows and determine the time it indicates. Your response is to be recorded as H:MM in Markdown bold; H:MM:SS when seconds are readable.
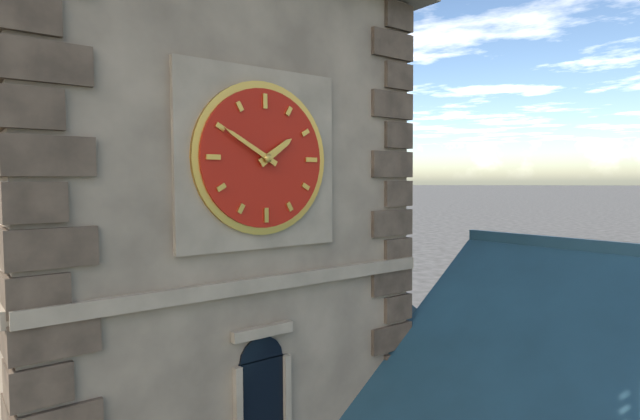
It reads **1:50**
